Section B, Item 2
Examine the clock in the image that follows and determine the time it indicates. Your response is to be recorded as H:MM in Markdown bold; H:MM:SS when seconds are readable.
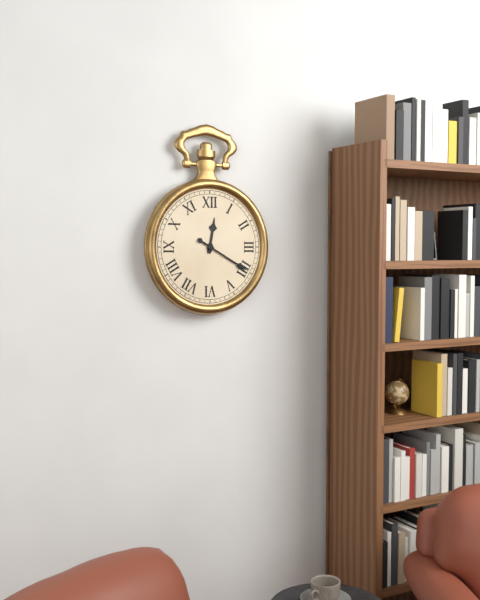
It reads **12:20**
